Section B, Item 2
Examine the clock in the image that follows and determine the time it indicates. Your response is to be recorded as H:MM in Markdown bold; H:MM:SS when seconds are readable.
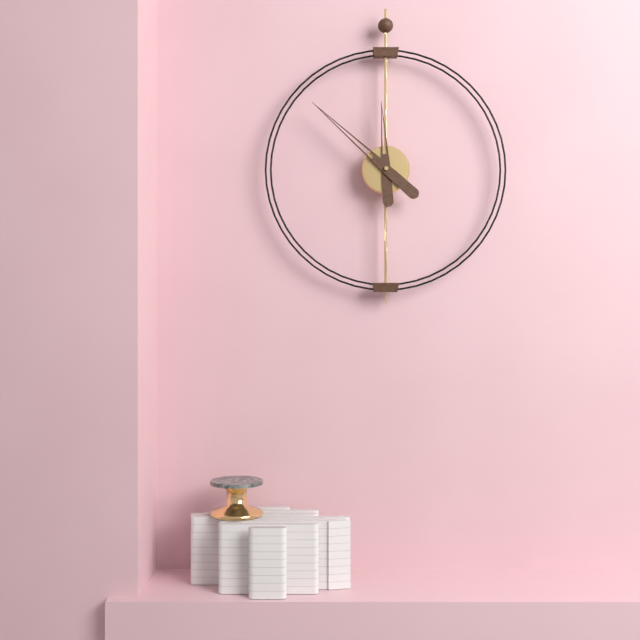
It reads **11:52**
